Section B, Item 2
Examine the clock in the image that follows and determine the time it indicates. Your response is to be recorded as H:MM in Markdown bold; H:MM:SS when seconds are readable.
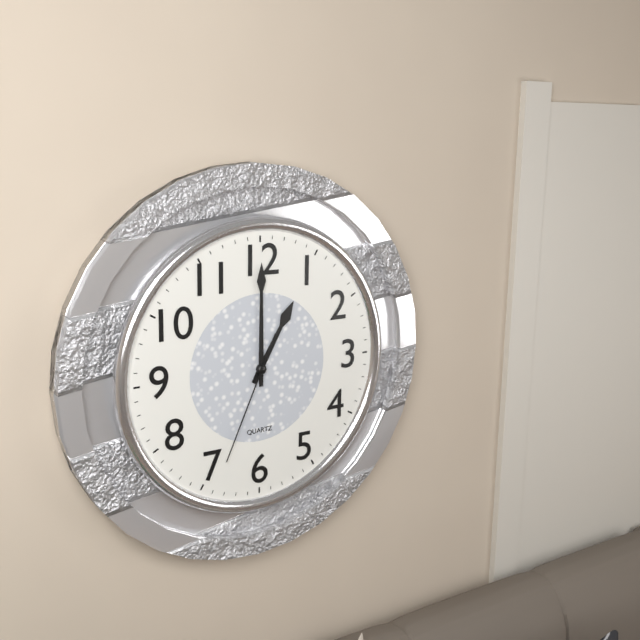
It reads **1:00:34**
